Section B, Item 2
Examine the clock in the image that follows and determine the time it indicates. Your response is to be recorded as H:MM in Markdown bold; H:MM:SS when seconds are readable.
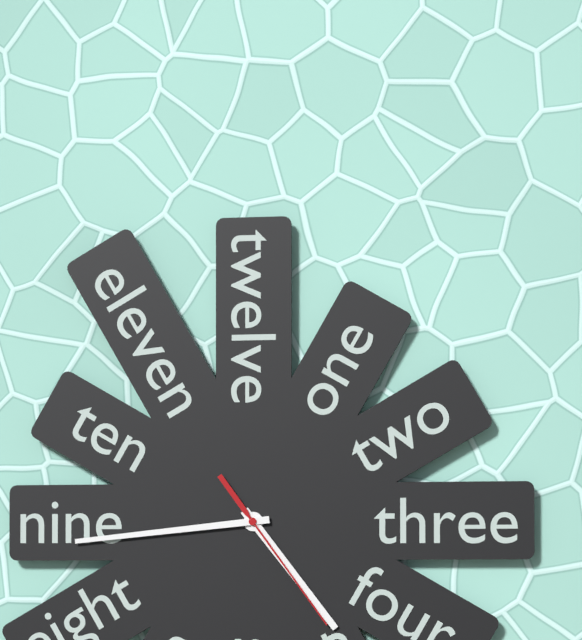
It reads **4:44:24**
